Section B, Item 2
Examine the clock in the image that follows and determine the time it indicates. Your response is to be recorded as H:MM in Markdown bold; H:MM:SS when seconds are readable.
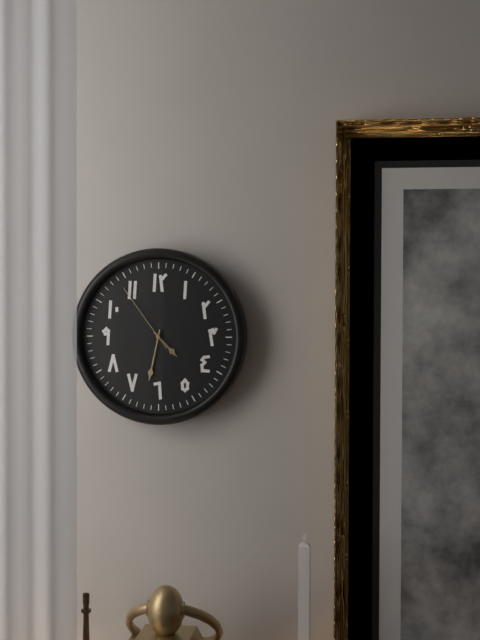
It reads **4:32:54**
